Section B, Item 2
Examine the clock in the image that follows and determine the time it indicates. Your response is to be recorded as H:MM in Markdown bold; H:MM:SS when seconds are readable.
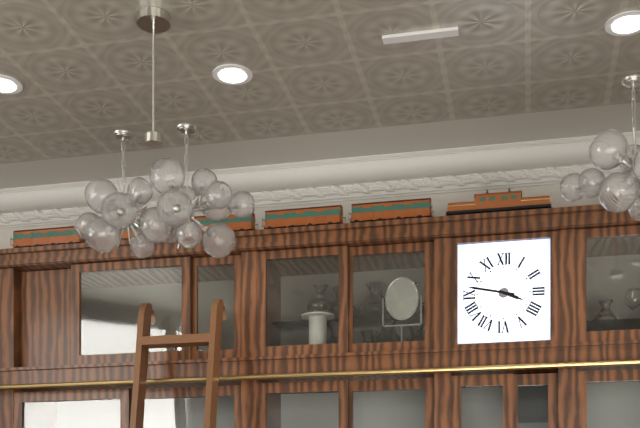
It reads **3:47**
